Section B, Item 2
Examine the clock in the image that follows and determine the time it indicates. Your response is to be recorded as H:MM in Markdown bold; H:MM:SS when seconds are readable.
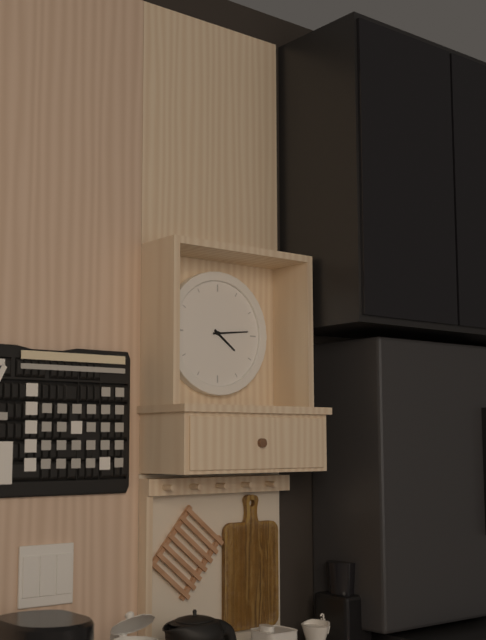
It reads **4:14**
